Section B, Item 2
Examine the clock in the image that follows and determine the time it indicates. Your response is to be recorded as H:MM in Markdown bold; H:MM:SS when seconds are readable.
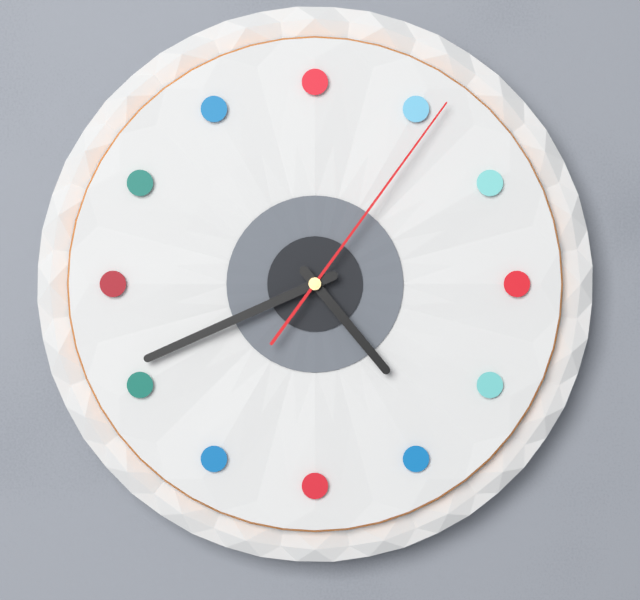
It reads **4:41:06**
